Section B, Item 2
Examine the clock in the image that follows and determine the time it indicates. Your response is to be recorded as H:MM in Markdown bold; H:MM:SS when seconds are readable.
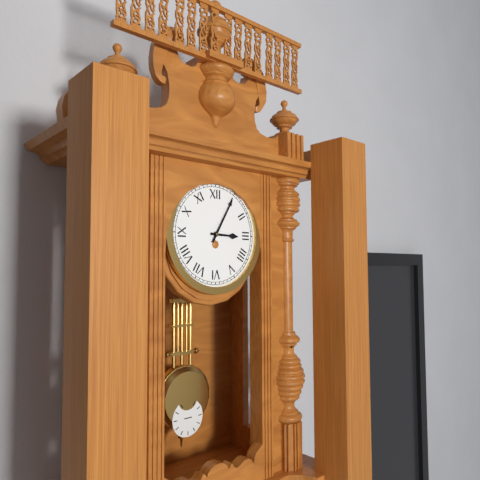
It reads **3:05**
